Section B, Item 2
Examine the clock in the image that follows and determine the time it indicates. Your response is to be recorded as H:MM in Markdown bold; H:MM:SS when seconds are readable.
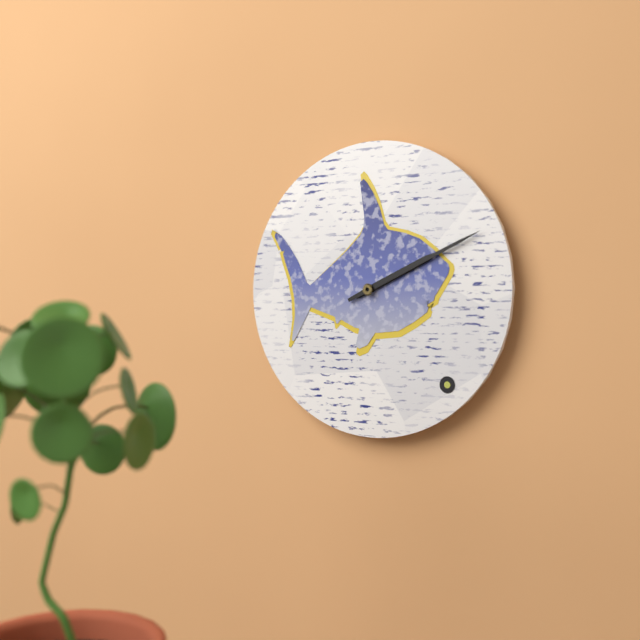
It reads **2:11**
